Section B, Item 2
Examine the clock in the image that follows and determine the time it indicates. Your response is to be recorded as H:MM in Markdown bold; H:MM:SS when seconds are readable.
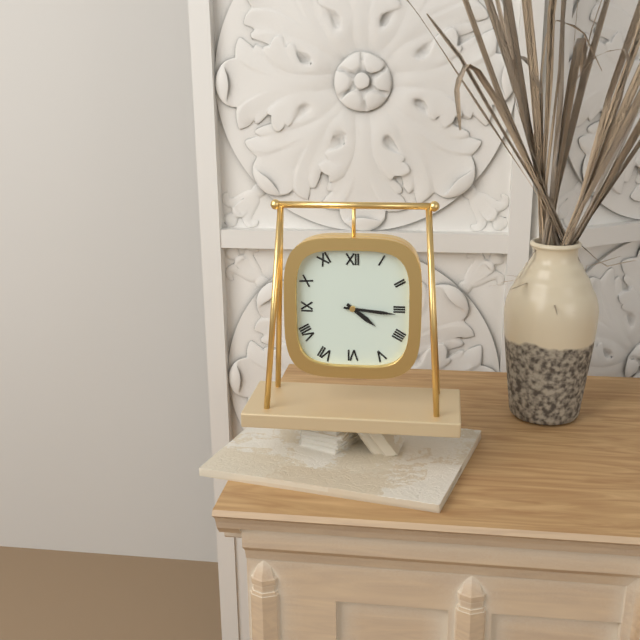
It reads **4:16**
